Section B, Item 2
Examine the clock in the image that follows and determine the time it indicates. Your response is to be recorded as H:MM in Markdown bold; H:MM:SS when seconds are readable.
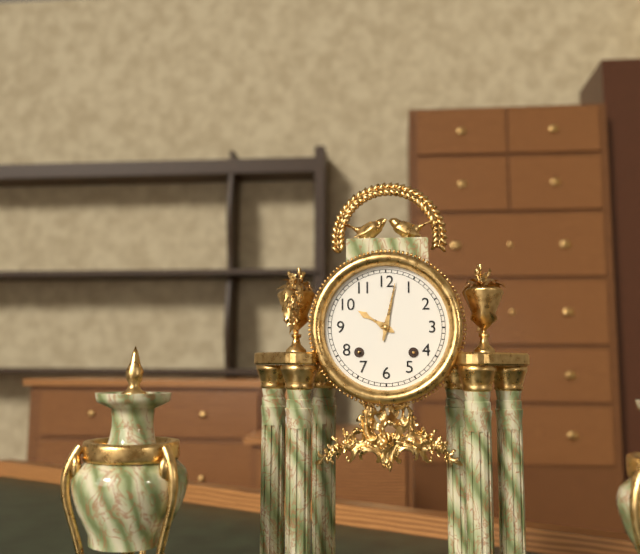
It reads **10:02**
